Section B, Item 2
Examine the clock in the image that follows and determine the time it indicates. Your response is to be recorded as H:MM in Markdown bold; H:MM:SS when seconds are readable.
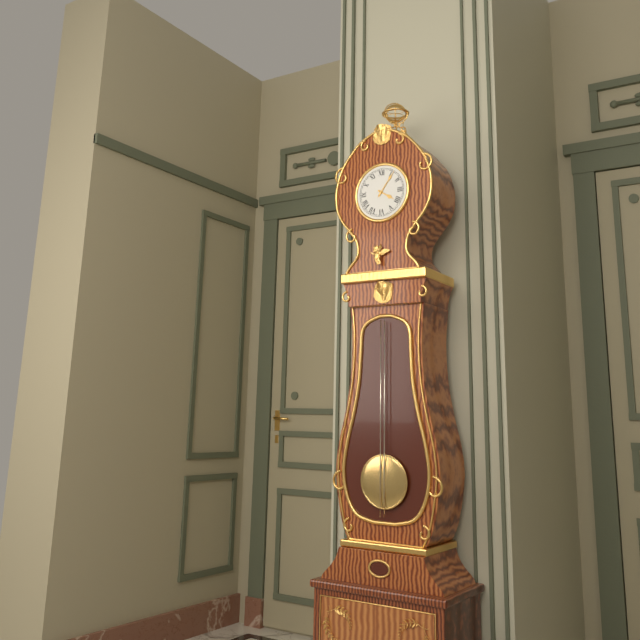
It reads **4:06**
